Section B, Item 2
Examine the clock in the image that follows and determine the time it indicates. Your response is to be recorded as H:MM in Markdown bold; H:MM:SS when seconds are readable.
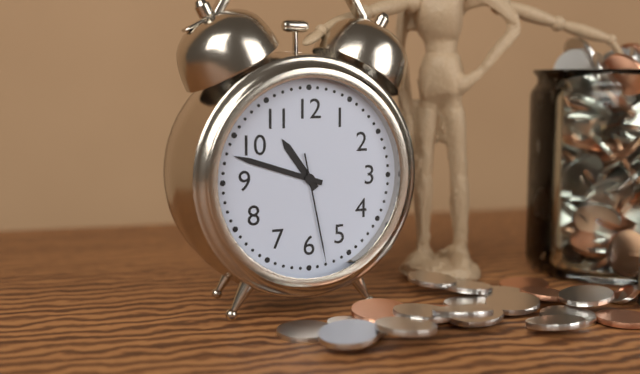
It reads **10:48:28**
